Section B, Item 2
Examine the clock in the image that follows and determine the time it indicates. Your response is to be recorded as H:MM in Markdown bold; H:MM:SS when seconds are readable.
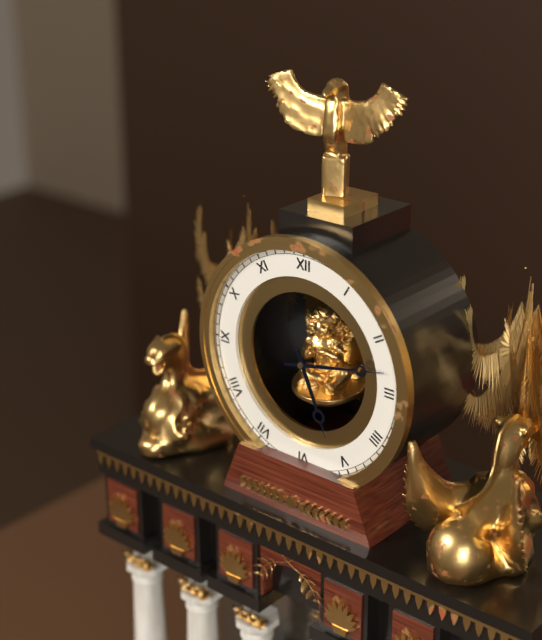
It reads **5:13**
